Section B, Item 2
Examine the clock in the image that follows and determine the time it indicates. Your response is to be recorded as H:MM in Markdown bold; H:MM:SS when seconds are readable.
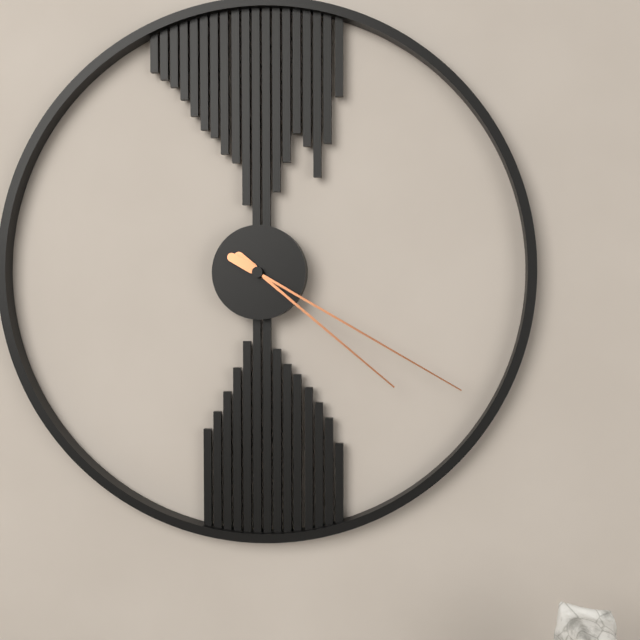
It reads **4:20**
